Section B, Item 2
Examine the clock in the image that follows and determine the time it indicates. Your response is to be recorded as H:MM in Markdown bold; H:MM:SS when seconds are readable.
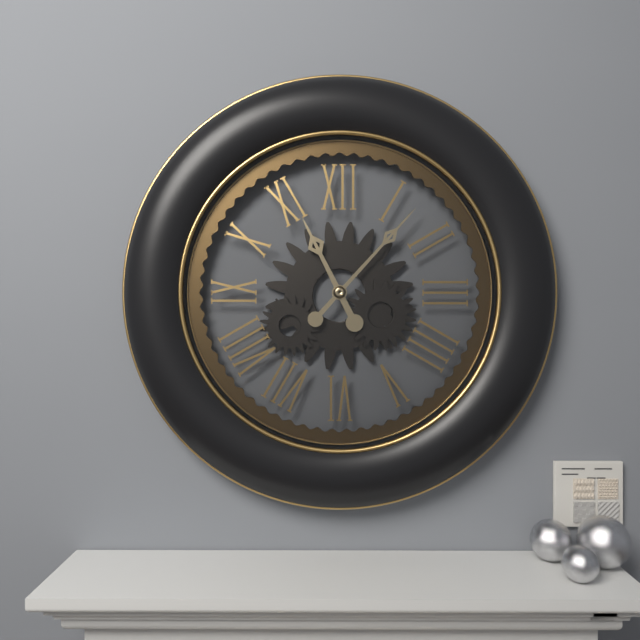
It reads **11:07**
